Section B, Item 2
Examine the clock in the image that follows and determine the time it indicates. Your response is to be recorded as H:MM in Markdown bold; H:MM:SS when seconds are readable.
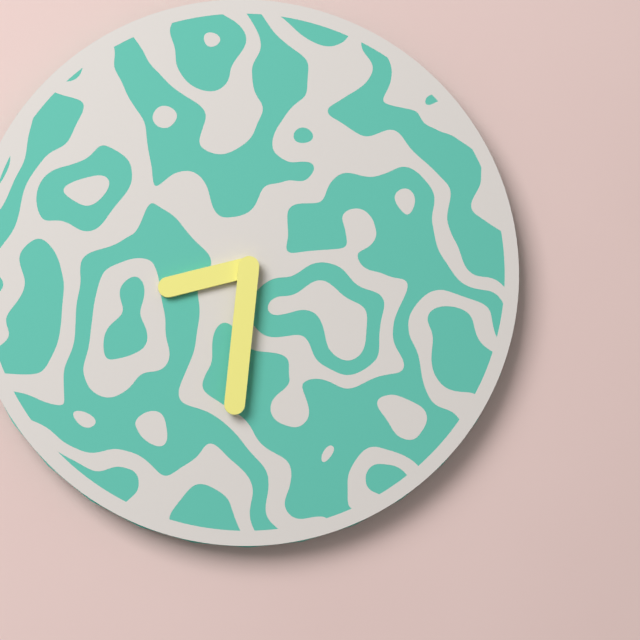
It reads **8:31**
